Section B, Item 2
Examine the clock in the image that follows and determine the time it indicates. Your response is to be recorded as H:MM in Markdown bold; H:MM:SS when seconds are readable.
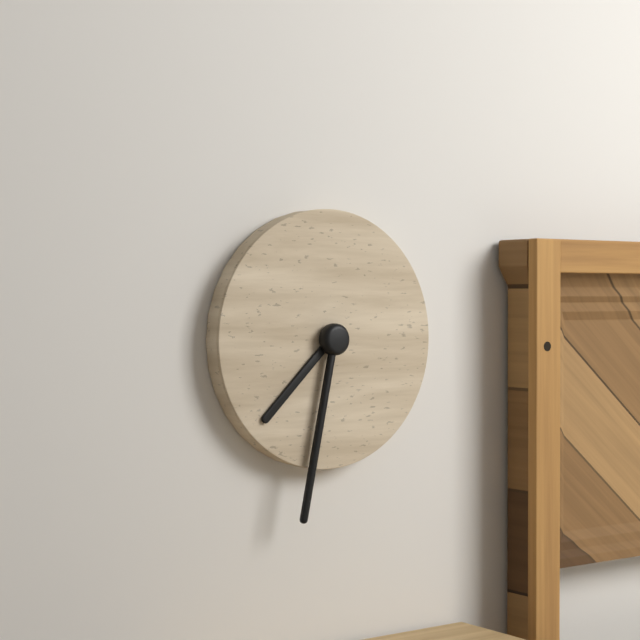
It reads **7:32**
